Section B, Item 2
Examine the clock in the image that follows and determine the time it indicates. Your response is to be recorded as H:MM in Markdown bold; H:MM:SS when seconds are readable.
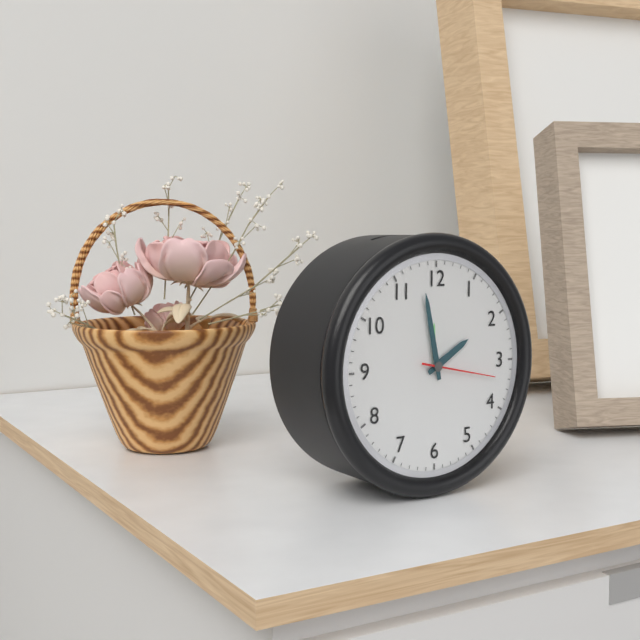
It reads **1:58:17**
